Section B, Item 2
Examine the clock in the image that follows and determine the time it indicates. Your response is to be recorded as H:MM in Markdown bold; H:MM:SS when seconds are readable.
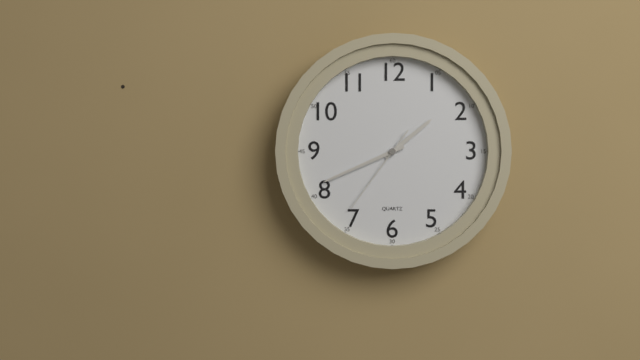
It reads **1:41:36**
